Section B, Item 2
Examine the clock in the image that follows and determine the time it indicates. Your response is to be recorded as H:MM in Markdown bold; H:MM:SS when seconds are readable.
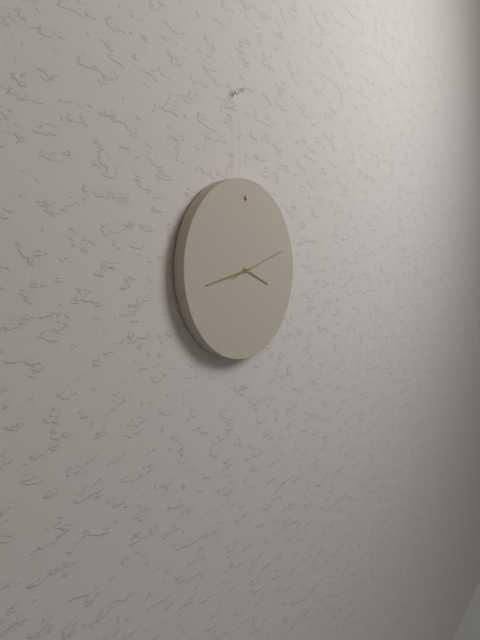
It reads **3:43:12**
